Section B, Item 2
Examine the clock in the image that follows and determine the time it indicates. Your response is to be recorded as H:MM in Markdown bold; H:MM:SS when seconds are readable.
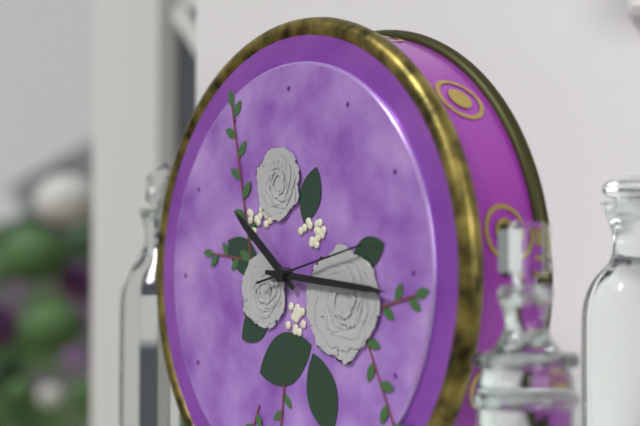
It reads **10:16:13**
